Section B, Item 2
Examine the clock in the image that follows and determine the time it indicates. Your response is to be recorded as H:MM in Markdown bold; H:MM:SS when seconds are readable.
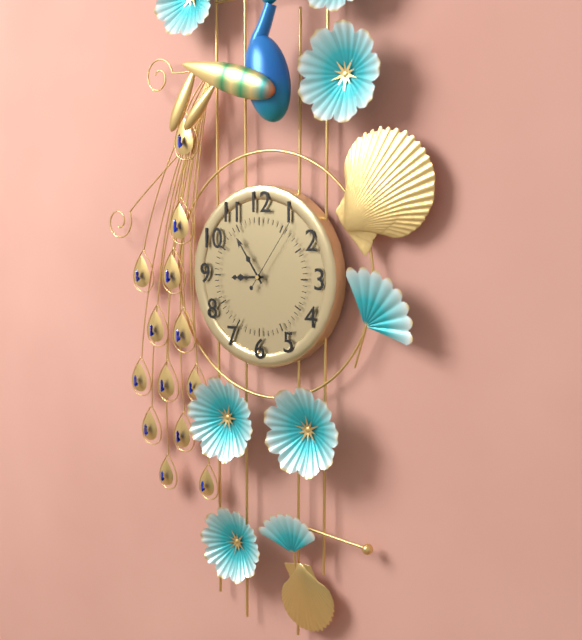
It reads **8:54:06**
